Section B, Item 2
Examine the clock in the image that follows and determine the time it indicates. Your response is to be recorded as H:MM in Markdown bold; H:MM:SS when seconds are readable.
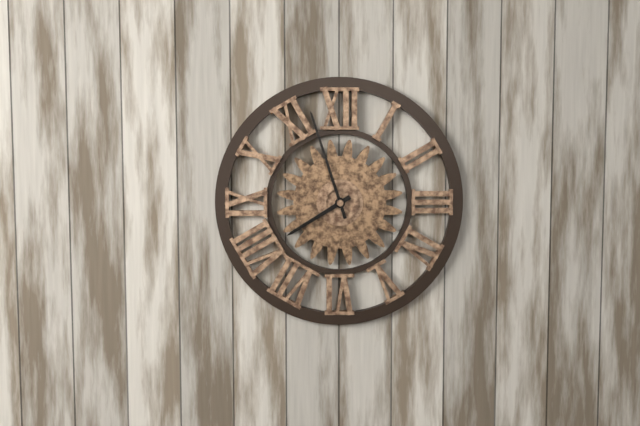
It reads **7:57**
